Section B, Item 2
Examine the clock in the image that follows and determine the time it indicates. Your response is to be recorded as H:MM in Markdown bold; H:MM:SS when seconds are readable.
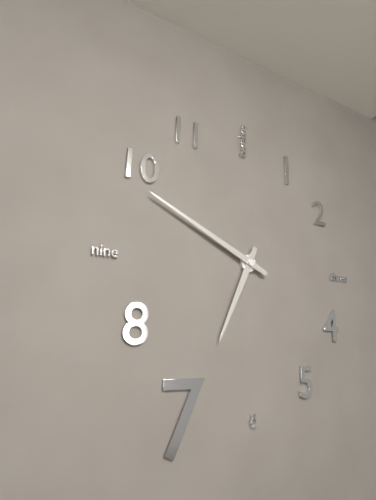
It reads **6:49**
